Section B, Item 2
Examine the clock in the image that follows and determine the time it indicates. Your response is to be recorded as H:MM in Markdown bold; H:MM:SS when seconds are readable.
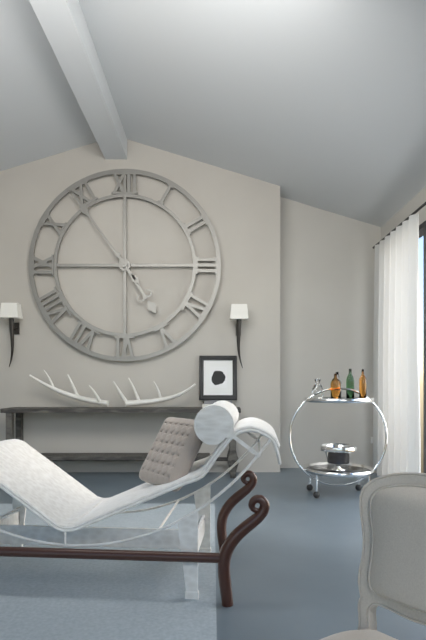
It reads **4:54**
